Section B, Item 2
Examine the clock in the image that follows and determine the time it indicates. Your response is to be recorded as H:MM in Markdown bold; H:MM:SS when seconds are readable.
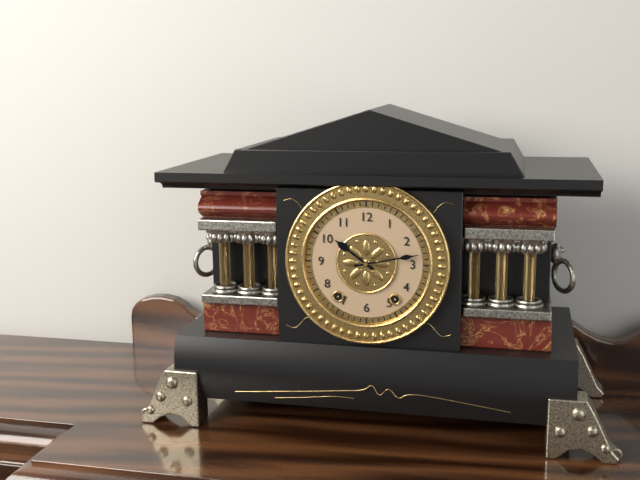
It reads **10:13**
